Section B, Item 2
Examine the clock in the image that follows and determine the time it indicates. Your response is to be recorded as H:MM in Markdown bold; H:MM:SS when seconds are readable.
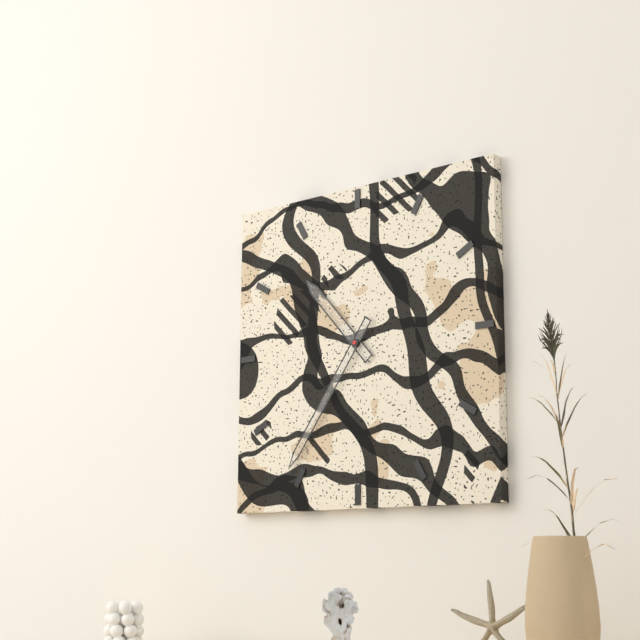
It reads **10:36**
